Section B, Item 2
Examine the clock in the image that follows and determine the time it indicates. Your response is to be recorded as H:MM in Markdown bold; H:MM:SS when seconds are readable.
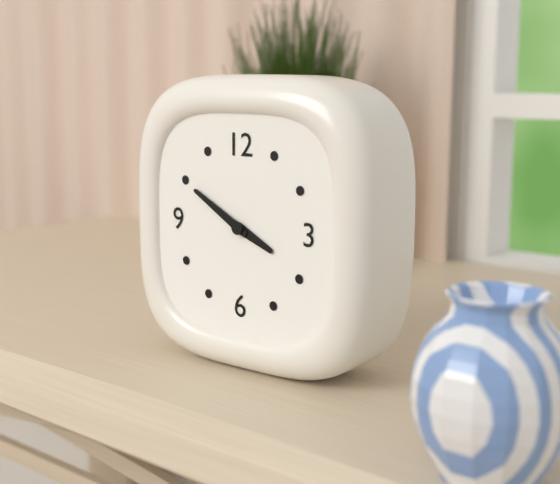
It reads **3:50**
